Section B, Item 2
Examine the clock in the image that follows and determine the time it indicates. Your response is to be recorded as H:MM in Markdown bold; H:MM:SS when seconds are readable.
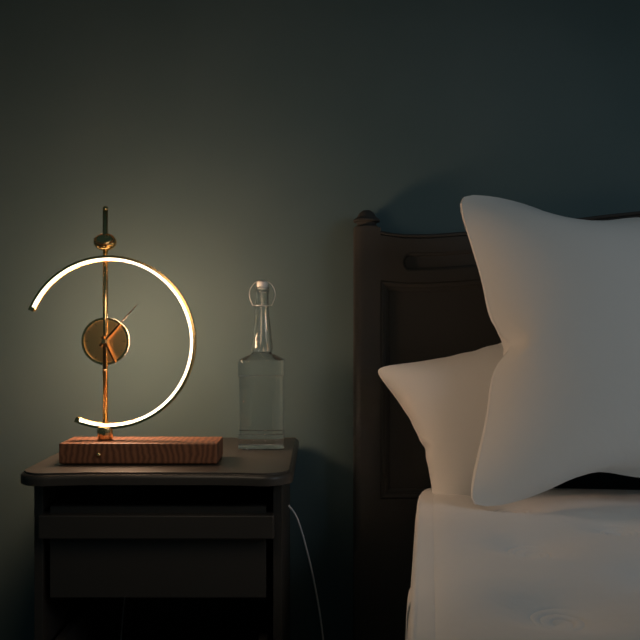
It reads **5:07**
